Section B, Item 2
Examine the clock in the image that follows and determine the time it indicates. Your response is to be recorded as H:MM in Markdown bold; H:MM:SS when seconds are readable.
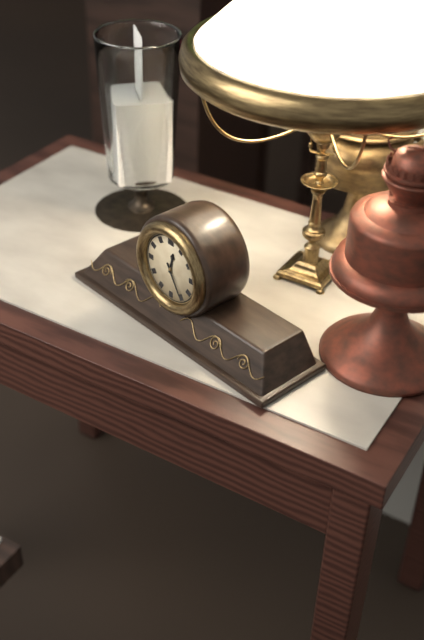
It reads **12:25**
